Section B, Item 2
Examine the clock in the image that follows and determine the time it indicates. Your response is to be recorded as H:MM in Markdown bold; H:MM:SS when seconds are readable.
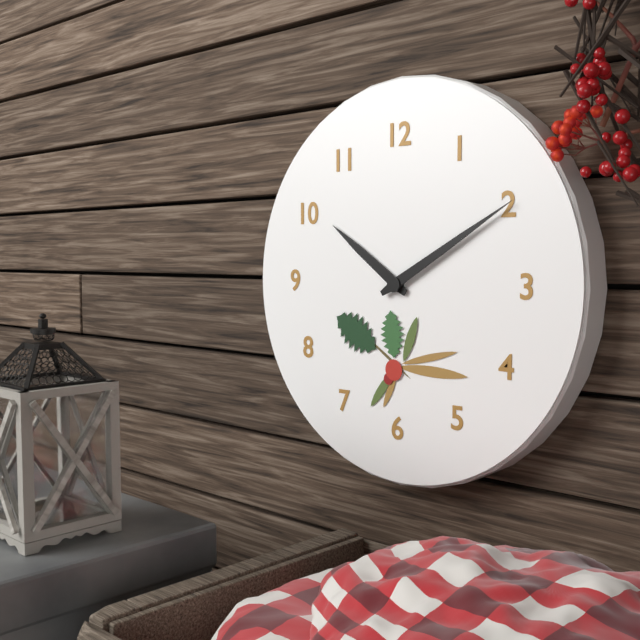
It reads **10:10**
